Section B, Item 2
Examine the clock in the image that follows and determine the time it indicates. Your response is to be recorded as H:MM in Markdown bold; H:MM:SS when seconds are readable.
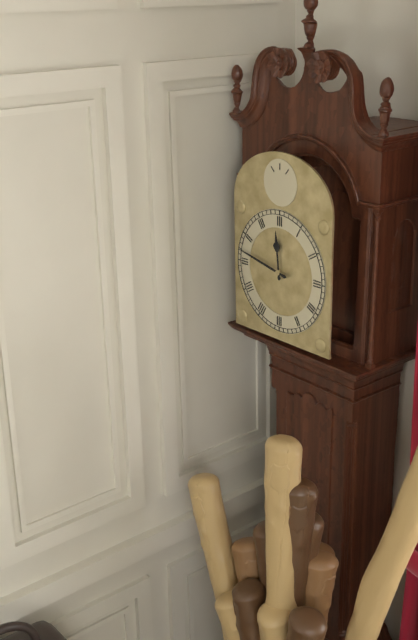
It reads **11:47**
